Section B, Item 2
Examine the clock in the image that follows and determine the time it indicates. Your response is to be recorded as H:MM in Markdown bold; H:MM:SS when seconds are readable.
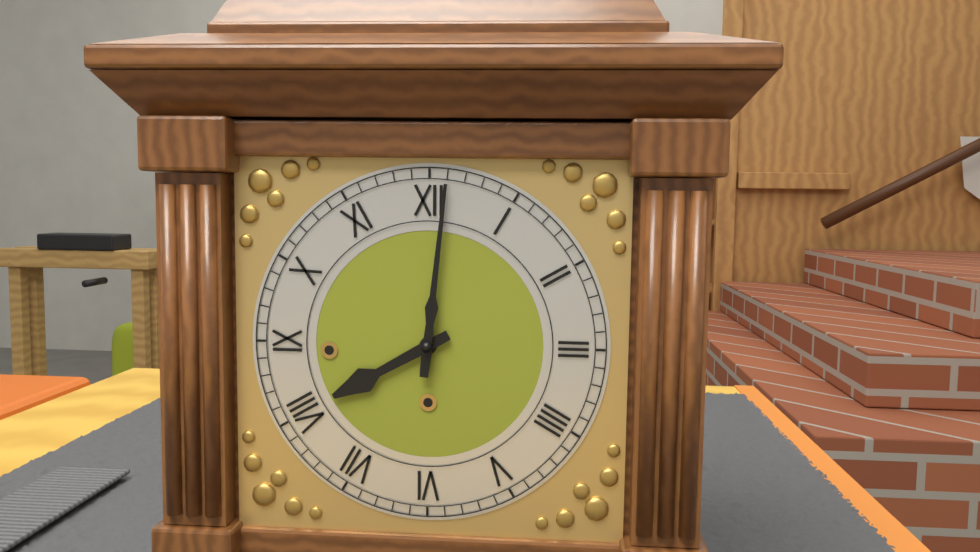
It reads **8:01**
